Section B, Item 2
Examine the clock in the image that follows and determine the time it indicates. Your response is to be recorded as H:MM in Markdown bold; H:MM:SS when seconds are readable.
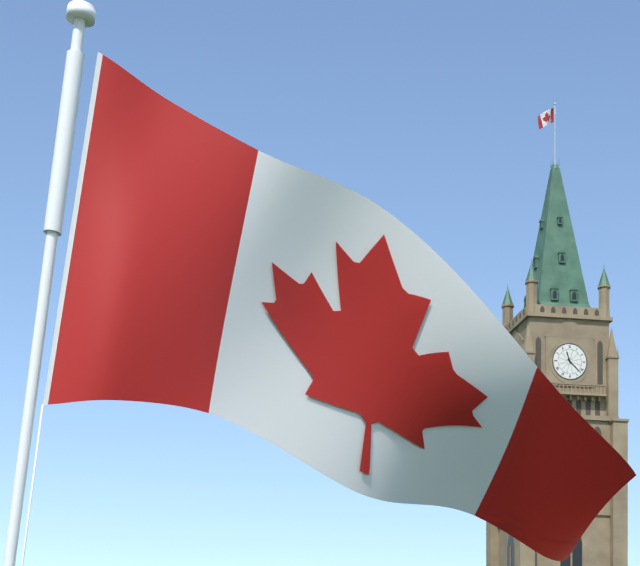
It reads **11:22**
